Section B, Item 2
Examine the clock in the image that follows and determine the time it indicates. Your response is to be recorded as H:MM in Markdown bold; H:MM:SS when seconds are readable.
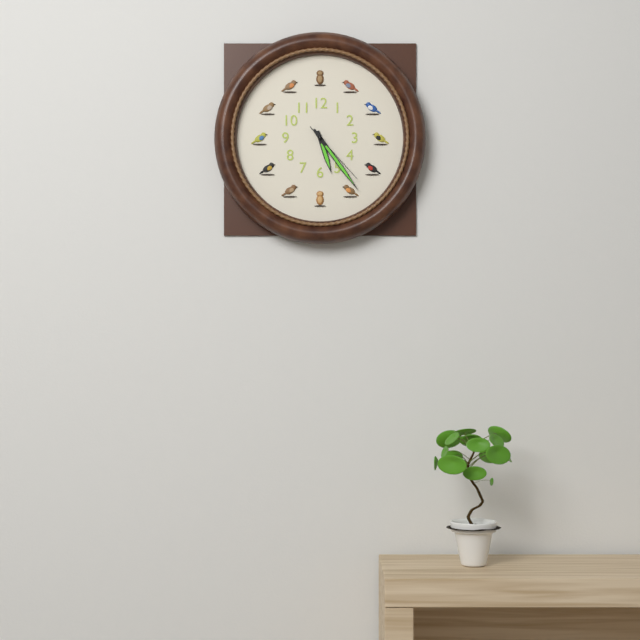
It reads **5:24:23**
